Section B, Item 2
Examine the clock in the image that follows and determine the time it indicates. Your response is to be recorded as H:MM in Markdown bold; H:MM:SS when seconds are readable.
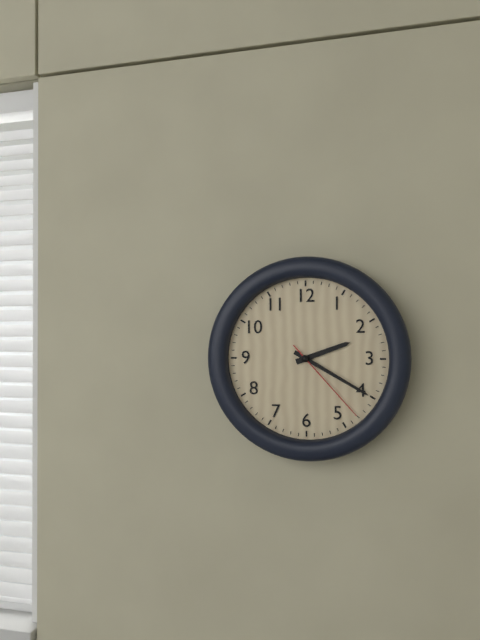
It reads **2:20:23**
